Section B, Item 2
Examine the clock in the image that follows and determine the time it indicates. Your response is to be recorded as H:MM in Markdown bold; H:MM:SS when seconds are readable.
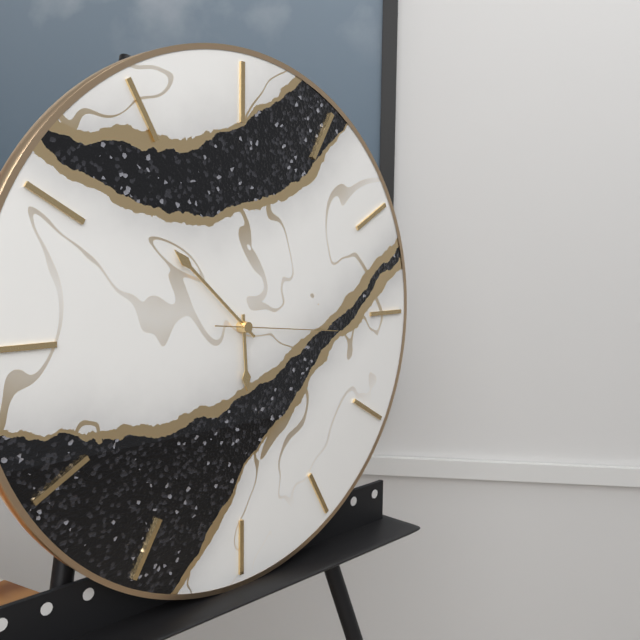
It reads **5:52:16**
